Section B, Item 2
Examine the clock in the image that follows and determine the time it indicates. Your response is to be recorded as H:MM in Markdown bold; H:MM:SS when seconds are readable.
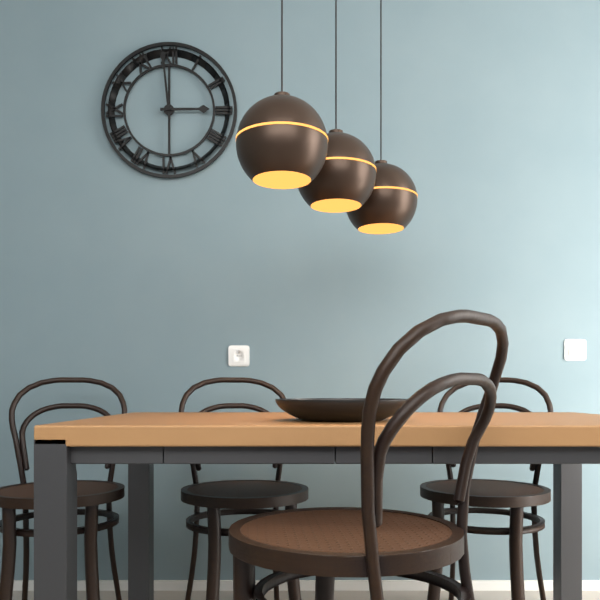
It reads **2:59**
